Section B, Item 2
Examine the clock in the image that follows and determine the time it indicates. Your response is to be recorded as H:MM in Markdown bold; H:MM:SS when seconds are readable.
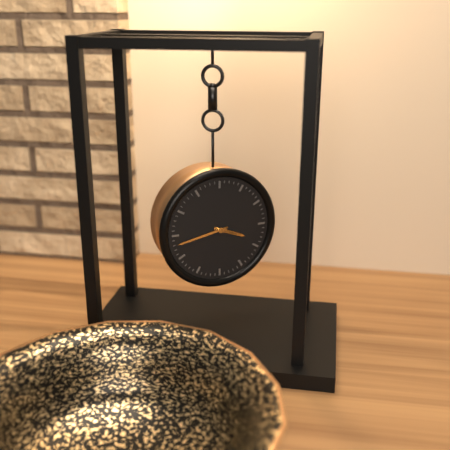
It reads **3:43**
